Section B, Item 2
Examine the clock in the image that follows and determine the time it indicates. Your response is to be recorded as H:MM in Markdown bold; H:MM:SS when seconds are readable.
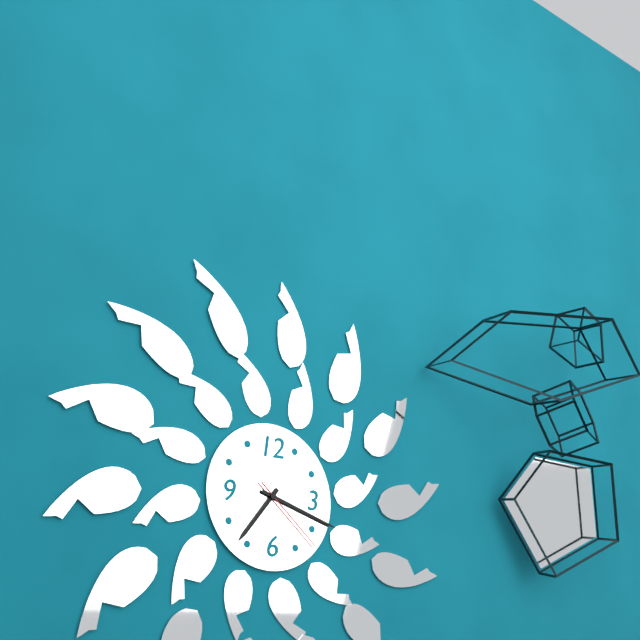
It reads **7:18:22**
